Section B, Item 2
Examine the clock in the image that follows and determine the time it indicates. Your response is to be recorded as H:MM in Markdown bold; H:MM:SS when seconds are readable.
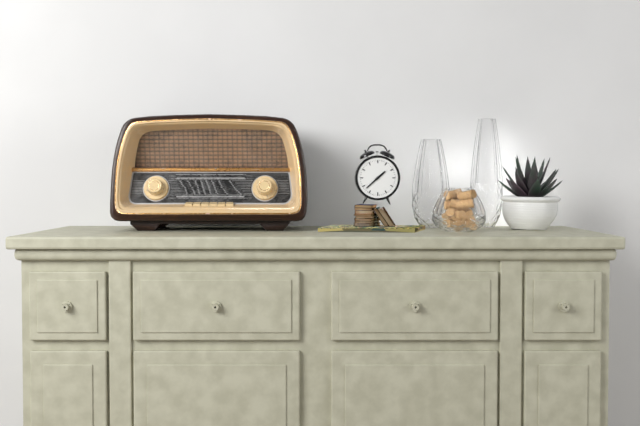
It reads **1:38**
